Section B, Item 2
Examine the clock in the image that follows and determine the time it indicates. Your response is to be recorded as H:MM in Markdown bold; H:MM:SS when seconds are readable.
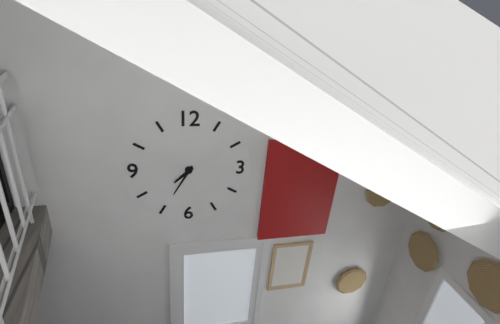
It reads **7:35**
